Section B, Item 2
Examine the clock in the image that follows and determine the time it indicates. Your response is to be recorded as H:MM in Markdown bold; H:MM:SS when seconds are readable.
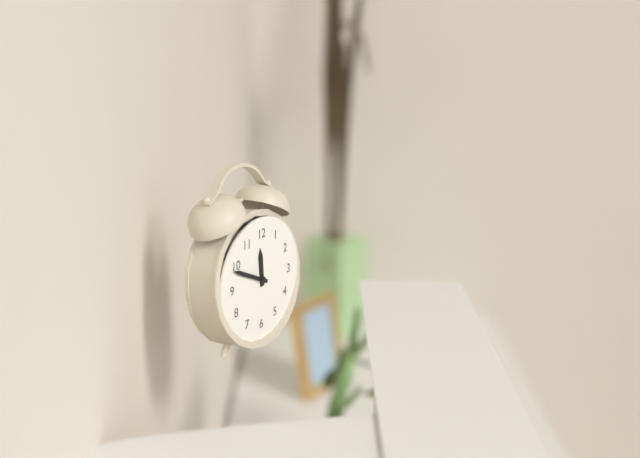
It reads **11:49**
